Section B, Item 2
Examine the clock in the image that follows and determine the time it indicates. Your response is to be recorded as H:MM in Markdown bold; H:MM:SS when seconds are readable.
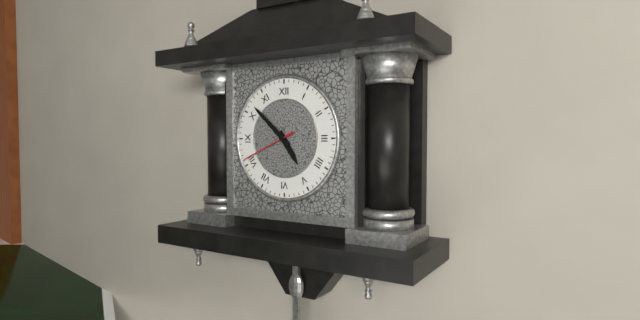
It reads **4:52:41**
